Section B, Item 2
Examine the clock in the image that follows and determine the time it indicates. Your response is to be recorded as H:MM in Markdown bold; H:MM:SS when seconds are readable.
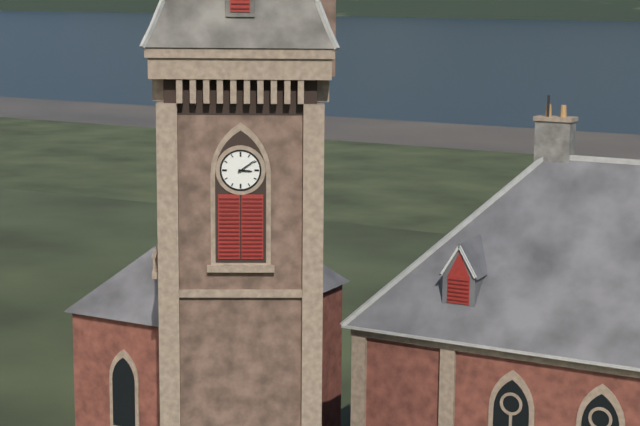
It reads **3:09**
